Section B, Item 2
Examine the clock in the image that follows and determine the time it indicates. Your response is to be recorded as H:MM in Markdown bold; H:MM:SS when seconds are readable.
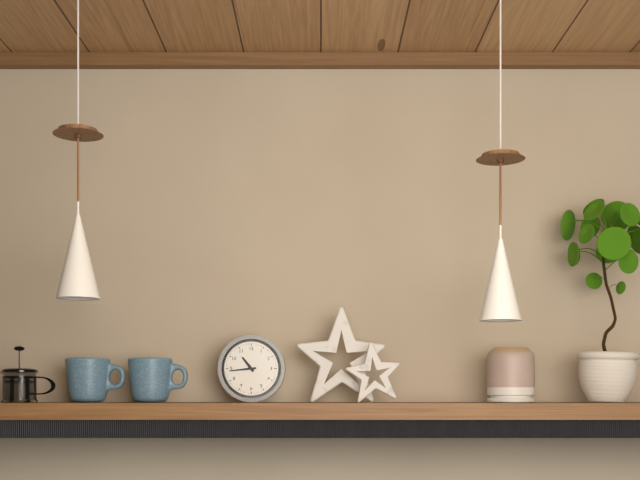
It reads **10:44**
